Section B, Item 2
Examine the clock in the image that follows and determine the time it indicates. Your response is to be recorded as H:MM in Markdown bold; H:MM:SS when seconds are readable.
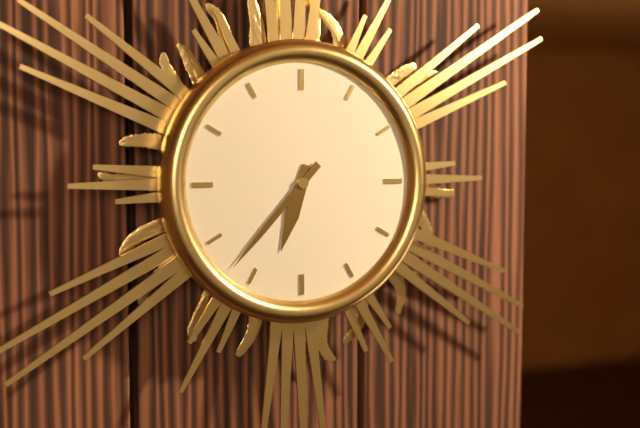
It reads **6:37**
